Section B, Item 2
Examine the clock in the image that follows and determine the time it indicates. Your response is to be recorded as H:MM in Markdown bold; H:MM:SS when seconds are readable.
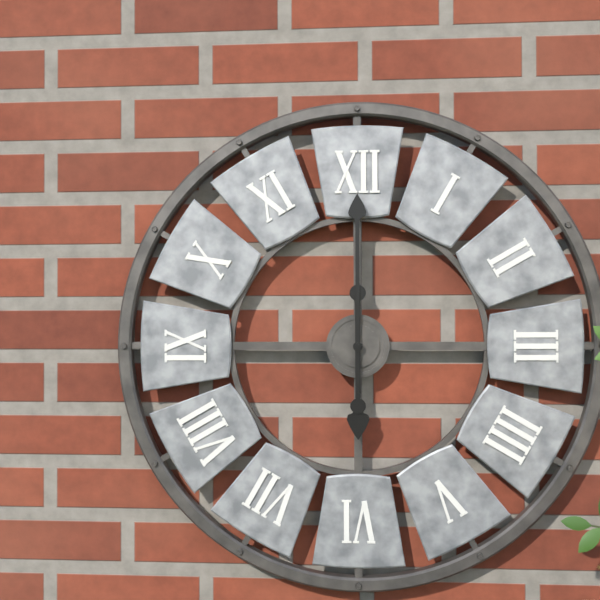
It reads **6:00**
